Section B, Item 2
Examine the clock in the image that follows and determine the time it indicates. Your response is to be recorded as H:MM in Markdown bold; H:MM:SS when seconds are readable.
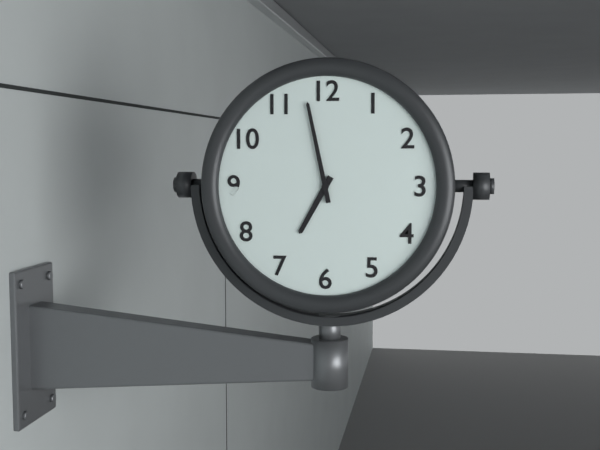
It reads **6:58**
